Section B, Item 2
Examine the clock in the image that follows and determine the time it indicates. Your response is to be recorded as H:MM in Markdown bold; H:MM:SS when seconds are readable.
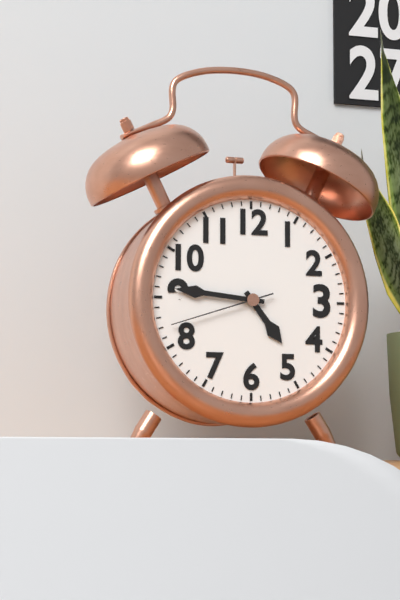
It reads **4:46:42**
